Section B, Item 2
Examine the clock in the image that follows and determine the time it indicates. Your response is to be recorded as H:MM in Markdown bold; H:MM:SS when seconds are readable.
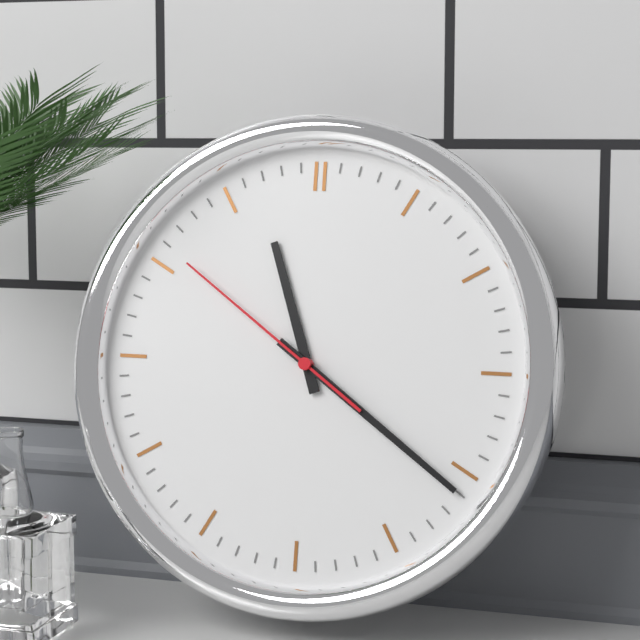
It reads **11:21:51**
